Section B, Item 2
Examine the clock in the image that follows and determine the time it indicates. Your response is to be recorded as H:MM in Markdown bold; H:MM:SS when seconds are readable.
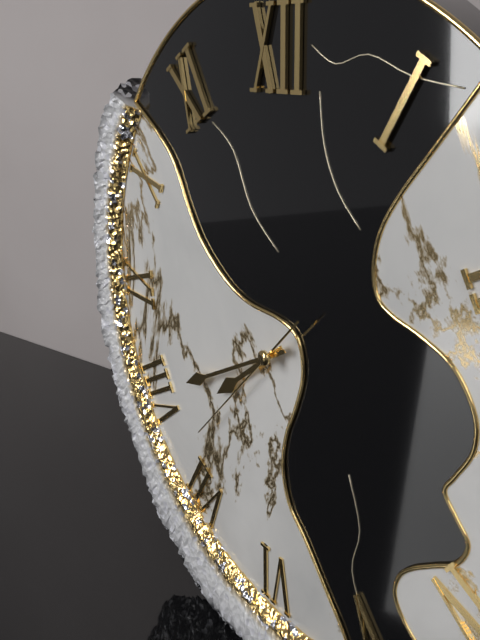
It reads **7:40:37**
